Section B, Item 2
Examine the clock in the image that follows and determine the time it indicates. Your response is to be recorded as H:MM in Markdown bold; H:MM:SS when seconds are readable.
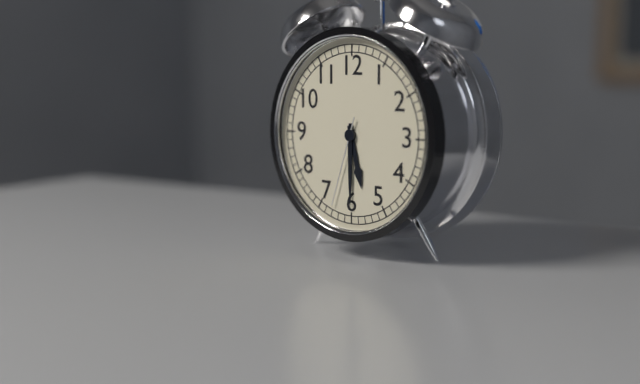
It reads **5:30:33**
